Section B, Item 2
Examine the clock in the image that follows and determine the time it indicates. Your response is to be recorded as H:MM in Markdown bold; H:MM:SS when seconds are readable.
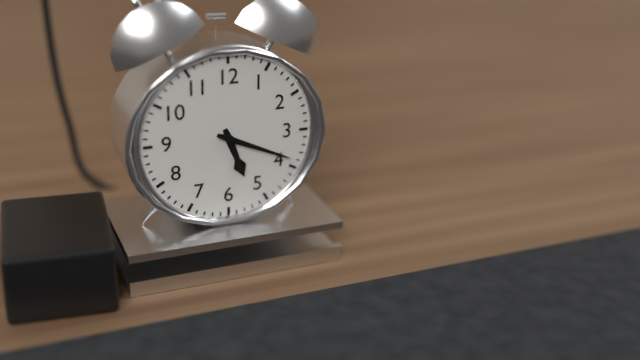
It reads **5:19**
